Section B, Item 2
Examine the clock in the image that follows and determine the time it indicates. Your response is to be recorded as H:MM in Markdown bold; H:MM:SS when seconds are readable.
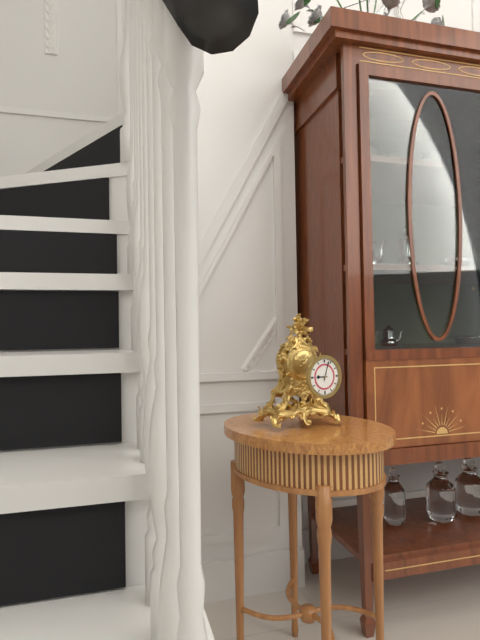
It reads **9:03**
